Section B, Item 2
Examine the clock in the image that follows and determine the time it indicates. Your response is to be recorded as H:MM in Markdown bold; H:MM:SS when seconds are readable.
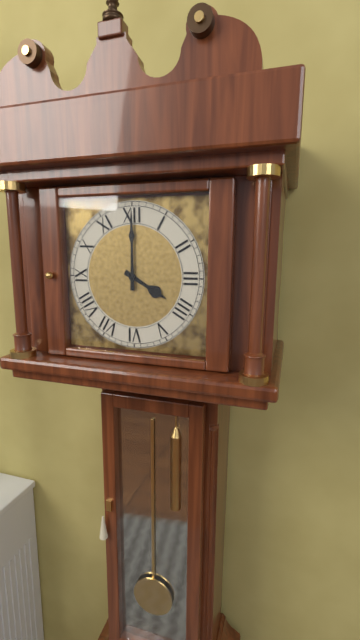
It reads **4:00**
